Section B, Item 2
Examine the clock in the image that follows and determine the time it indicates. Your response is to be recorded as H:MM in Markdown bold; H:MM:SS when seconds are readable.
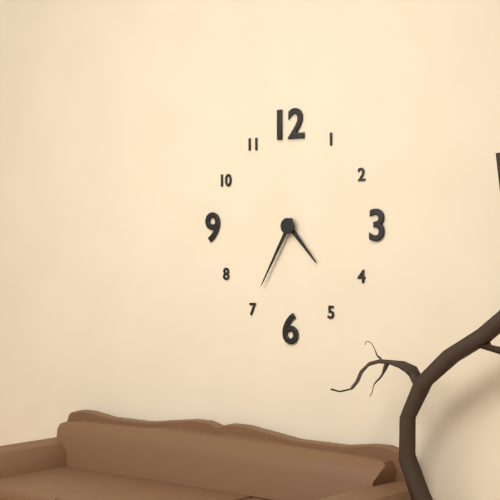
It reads **4:35**
